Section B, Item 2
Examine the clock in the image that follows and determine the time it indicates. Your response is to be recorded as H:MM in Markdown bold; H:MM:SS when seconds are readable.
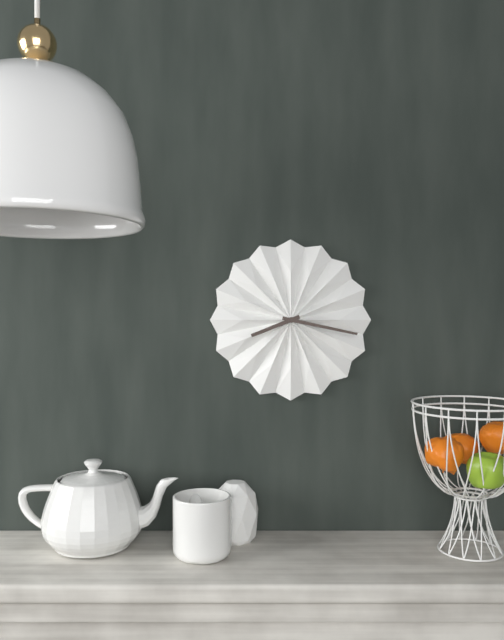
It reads **8:17**
